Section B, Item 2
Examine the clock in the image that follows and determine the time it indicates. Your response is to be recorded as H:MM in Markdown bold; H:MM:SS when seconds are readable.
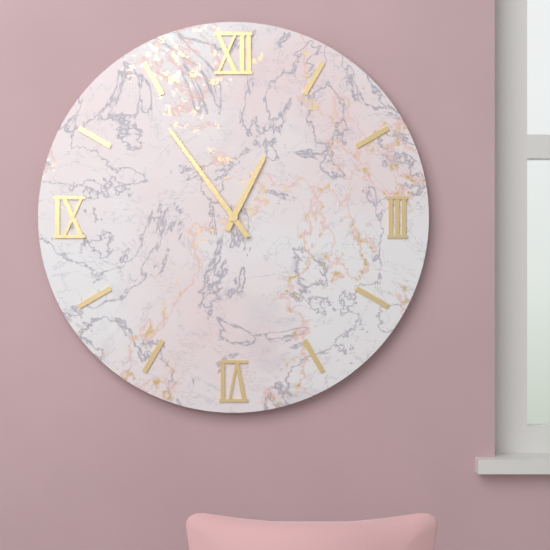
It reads **12:54**
